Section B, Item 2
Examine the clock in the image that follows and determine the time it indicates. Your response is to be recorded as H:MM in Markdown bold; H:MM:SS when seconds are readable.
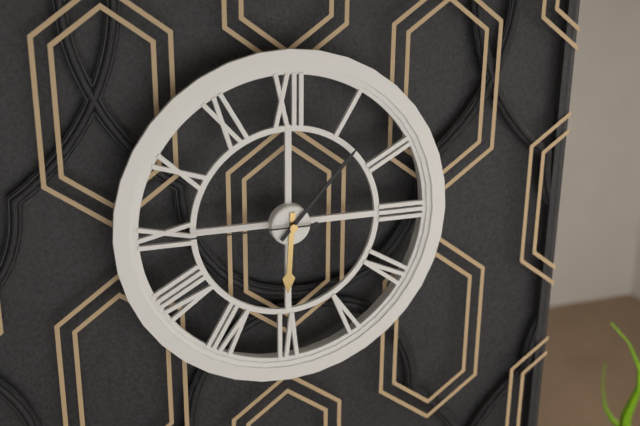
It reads **6:07:45**
